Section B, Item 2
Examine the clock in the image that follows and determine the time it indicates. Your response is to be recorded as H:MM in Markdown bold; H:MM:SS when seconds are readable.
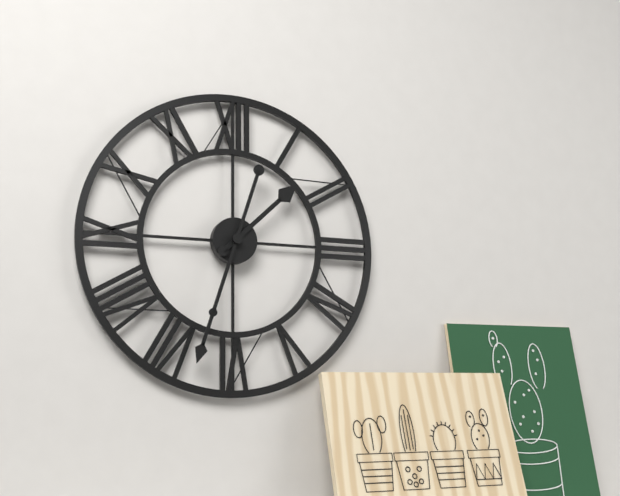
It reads **1:33**
